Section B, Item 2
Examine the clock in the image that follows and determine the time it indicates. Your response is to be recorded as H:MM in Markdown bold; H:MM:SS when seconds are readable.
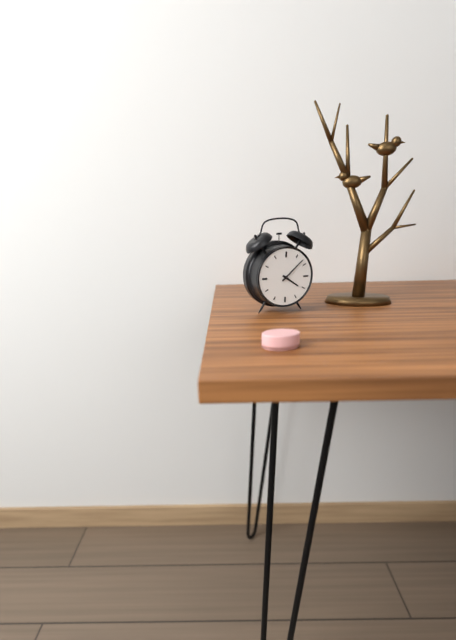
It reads **4:08**
